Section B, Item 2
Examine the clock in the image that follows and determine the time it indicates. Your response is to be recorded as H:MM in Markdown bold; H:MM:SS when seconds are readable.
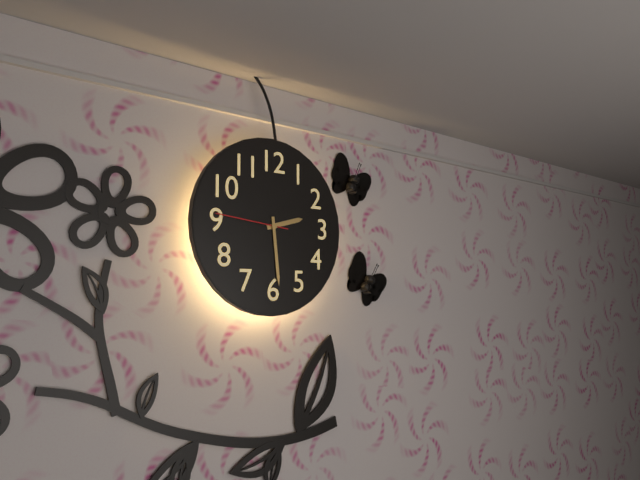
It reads **2:29:46**
